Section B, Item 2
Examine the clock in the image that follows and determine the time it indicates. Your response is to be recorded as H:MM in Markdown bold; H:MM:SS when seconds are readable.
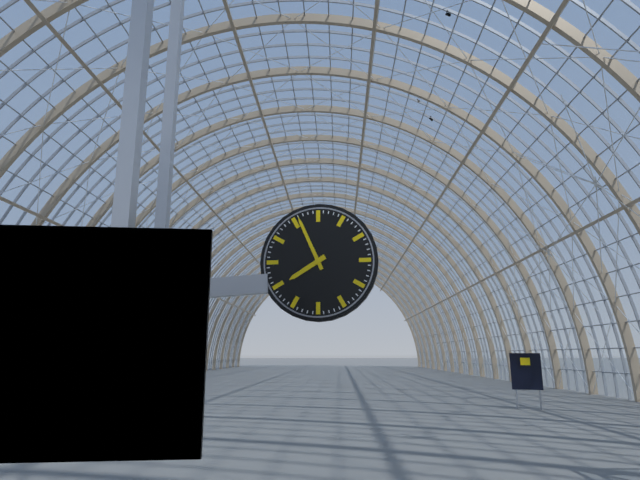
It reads **7:56**
